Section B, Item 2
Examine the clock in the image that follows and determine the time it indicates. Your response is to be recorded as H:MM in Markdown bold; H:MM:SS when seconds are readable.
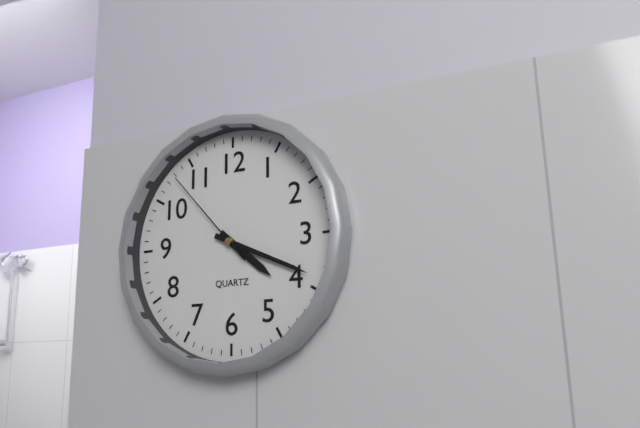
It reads **4:19:53**
